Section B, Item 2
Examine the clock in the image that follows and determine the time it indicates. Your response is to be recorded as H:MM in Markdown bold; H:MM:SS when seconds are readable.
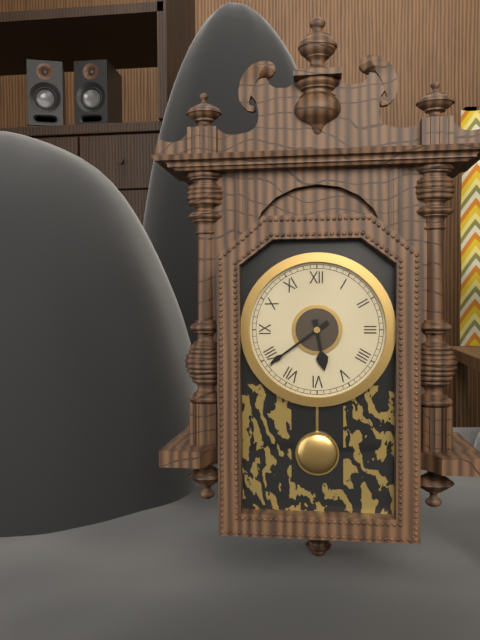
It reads **5:39**
